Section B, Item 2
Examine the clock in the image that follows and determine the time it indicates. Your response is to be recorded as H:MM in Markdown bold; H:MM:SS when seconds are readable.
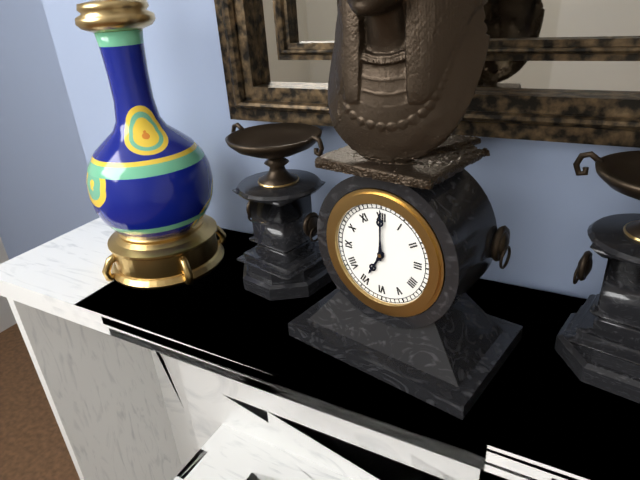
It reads **7:00**
